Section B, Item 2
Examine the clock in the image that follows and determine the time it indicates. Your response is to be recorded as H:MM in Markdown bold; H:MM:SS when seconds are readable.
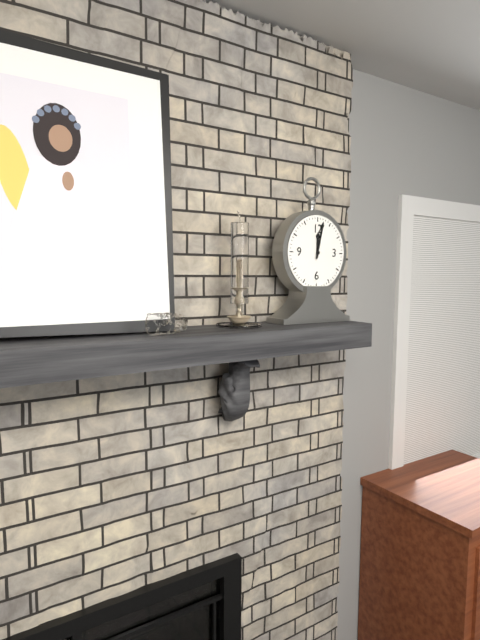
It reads **12:02**
